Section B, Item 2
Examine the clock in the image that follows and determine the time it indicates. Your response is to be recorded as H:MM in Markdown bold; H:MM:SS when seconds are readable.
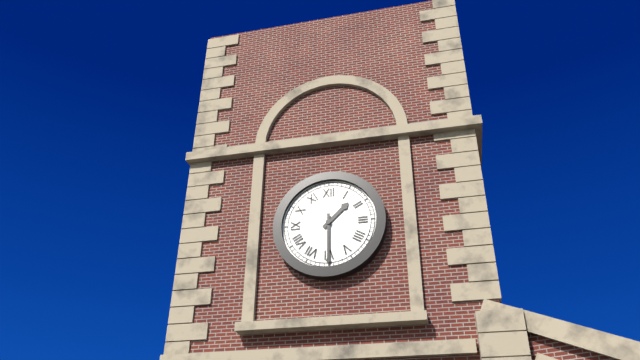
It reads **1:30**
